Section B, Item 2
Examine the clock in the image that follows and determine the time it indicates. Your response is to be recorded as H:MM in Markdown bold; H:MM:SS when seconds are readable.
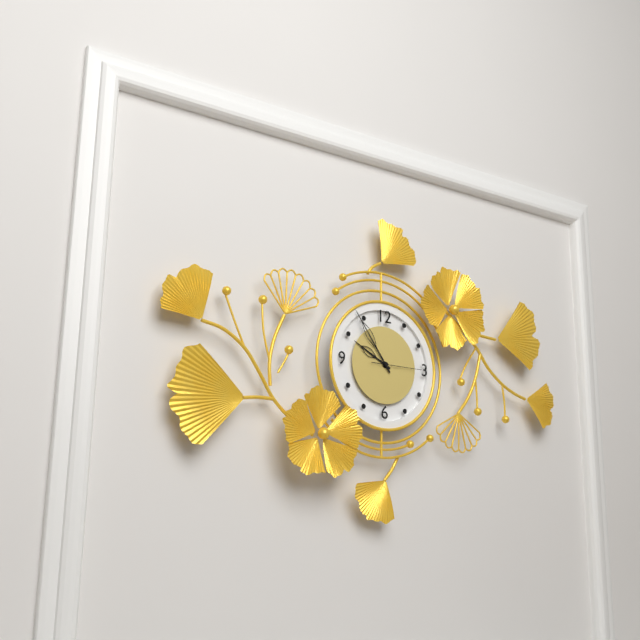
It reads **9:54**
